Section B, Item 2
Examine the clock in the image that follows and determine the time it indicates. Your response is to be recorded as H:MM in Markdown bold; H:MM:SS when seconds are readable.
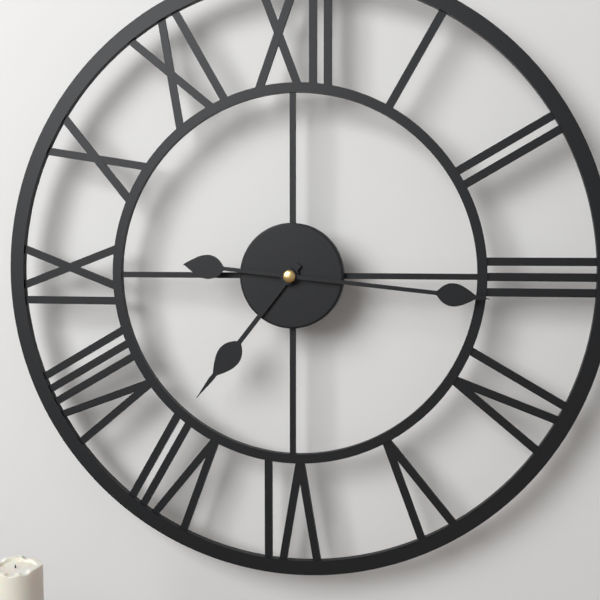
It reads **7:16**
